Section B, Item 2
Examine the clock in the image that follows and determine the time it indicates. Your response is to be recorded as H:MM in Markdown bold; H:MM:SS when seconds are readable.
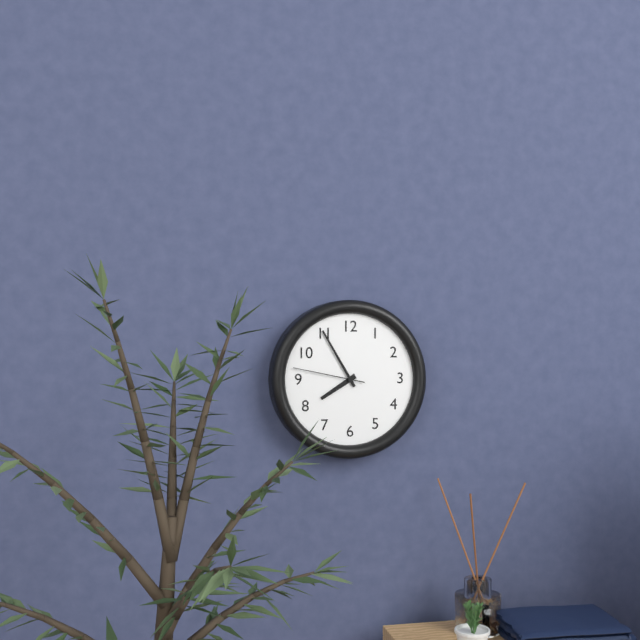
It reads **7:55:47**
